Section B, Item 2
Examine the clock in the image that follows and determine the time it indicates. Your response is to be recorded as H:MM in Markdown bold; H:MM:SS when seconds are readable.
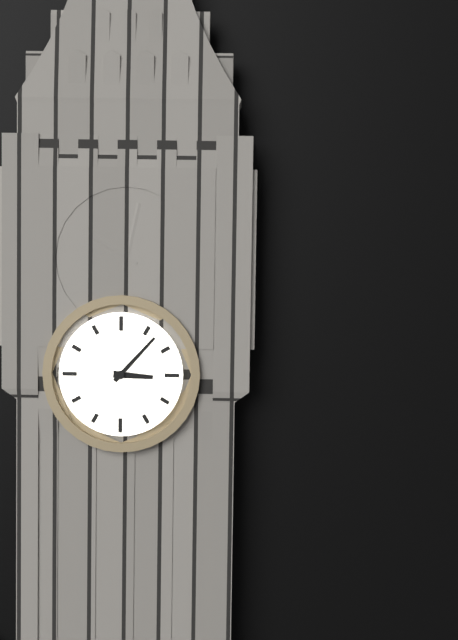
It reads **3:07**
